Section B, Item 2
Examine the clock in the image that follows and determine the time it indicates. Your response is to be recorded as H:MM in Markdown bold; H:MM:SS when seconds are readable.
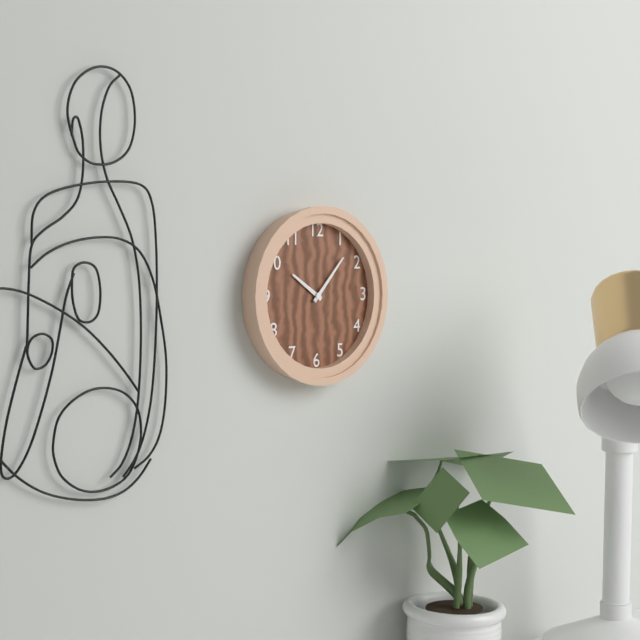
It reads **10:07**
